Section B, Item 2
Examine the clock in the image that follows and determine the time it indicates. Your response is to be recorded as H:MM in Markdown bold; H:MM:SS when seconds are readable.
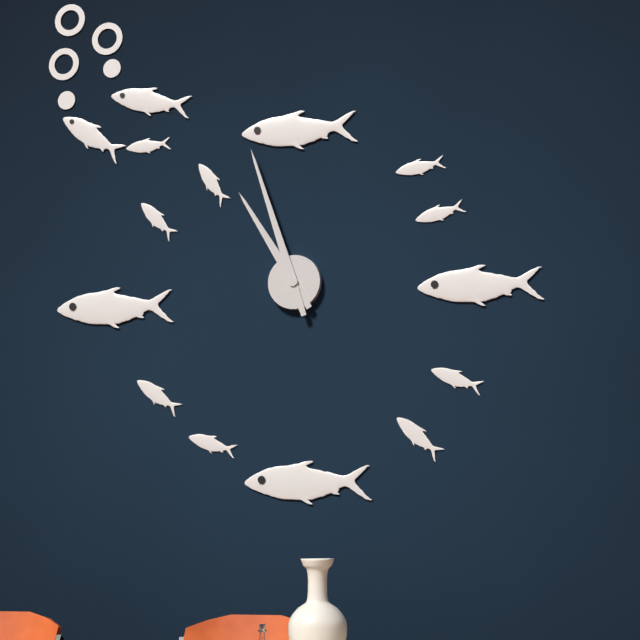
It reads **10:57**
